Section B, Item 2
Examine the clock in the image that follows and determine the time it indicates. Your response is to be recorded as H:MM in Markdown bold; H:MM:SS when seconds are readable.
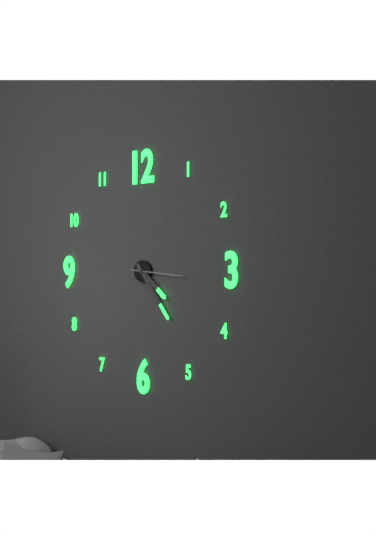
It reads **4:24**
